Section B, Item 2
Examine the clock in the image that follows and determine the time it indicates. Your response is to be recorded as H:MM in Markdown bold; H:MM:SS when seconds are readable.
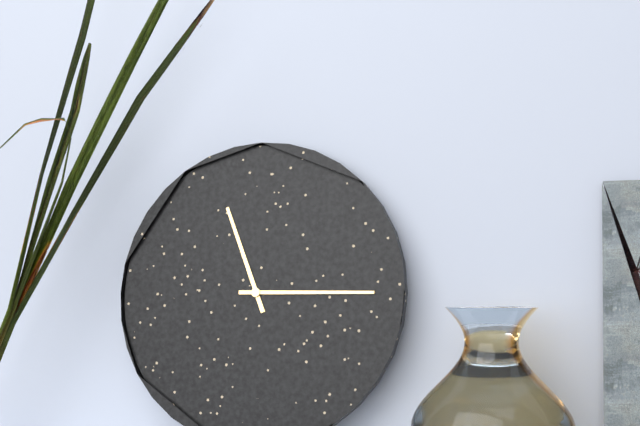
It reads **11:15**
